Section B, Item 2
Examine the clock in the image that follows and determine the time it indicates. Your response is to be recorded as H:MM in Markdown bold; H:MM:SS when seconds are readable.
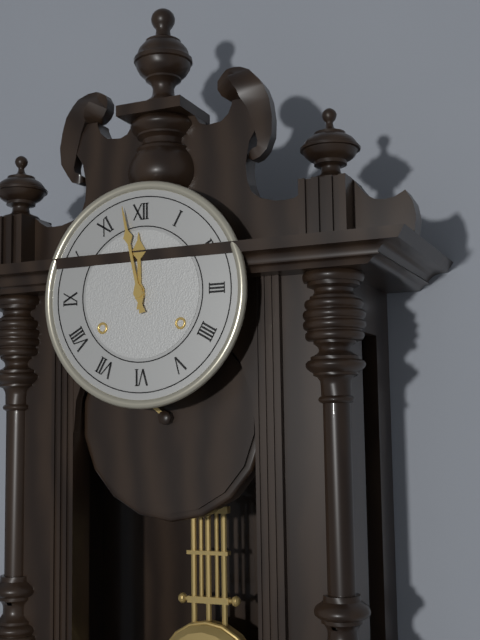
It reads **11:58**
